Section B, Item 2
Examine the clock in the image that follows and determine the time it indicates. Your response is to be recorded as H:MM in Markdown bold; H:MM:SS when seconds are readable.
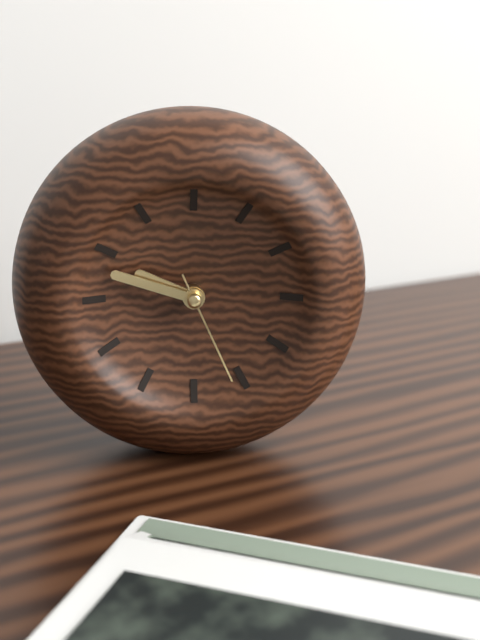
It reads **9:48:26**
